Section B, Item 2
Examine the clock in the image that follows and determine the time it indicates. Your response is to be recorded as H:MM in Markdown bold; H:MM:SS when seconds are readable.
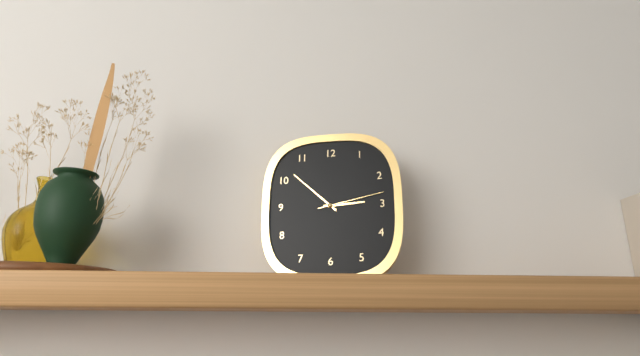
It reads **2:52:13**
